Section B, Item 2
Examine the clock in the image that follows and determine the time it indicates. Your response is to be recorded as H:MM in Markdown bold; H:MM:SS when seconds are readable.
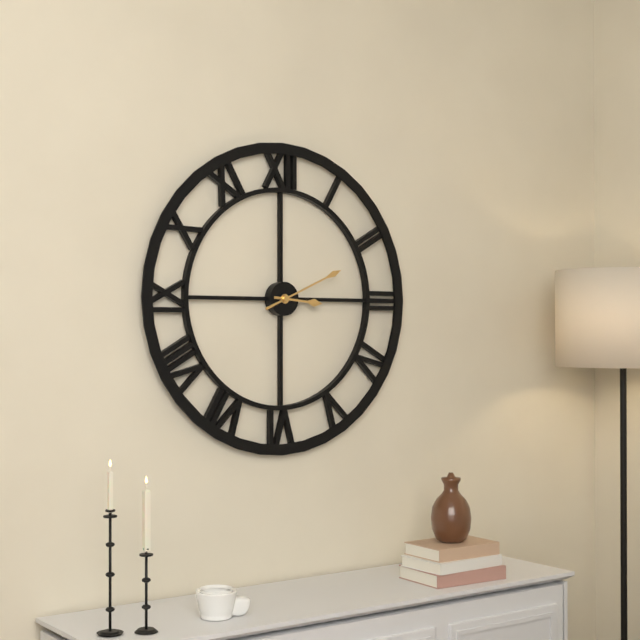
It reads **3:11**
